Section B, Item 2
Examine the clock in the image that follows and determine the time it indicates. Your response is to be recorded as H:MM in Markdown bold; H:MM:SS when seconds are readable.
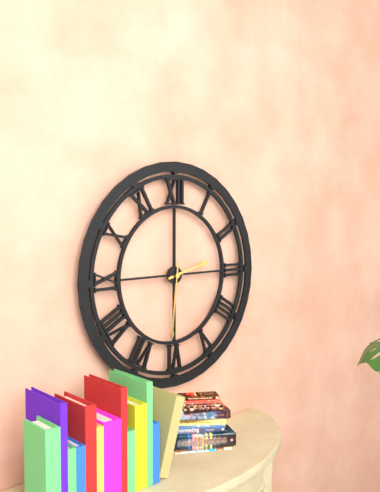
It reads **2:31**
